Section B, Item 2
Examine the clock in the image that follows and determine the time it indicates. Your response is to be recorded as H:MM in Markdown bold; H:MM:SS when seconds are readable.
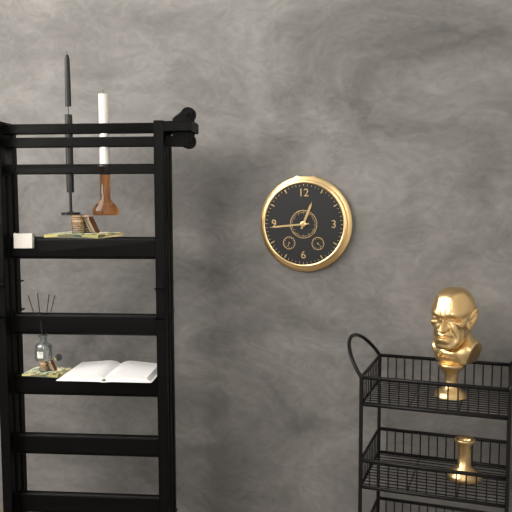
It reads **12:44**
